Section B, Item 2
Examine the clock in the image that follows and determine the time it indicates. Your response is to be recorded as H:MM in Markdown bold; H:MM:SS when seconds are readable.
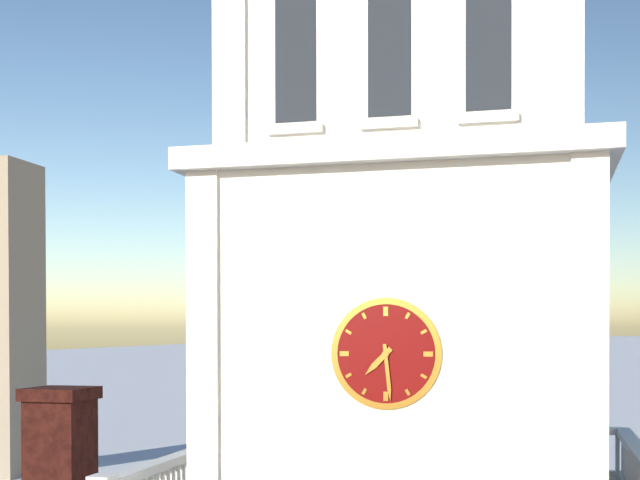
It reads **7:29**
